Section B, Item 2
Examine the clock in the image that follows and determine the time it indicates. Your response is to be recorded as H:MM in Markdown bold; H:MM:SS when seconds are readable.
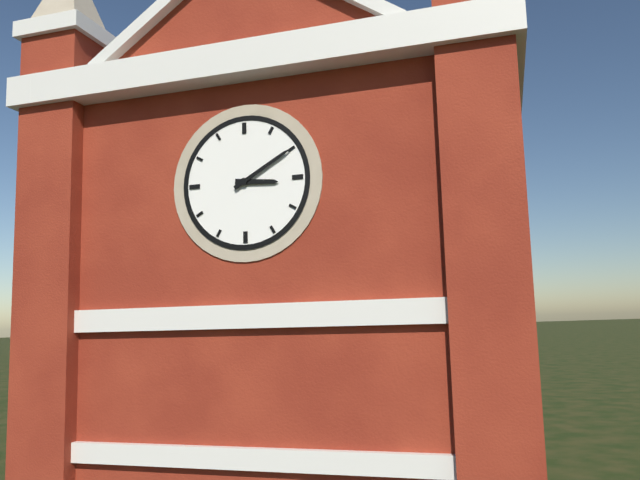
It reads **3:10**
